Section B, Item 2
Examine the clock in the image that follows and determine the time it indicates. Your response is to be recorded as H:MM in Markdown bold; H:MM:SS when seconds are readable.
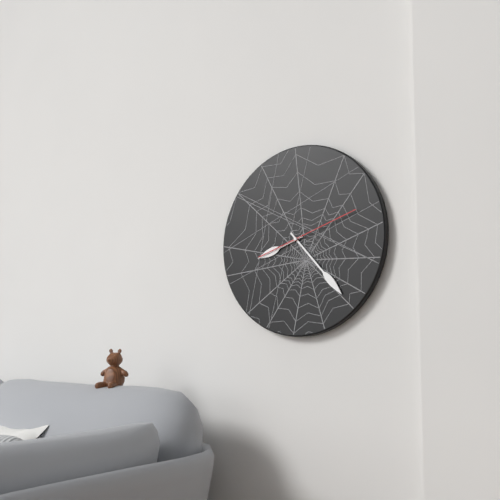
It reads **8:23:12**
